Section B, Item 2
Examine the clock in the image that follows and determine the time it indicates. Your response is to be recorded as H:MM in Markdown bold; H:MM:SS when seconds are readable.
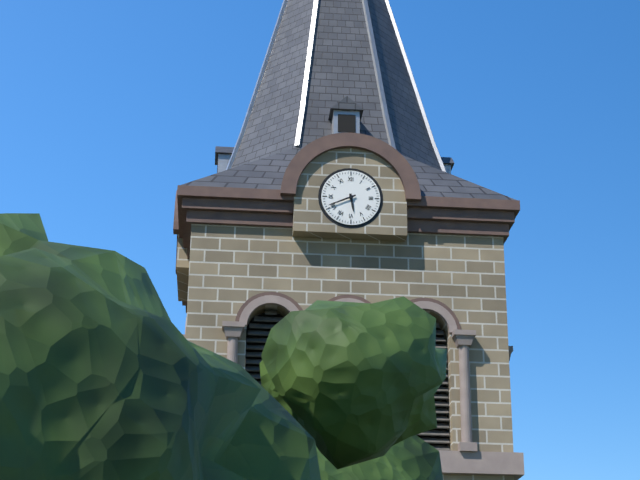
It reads **5:41**
